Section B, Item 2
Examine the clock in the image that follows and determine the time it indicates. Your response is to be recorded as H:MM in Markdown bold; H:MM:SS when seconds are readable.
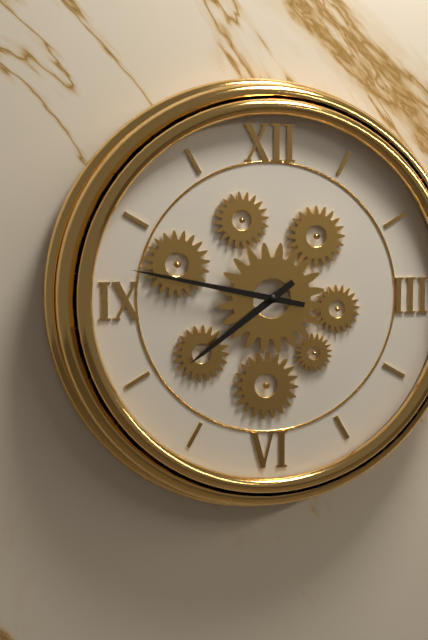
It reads **7:47**
